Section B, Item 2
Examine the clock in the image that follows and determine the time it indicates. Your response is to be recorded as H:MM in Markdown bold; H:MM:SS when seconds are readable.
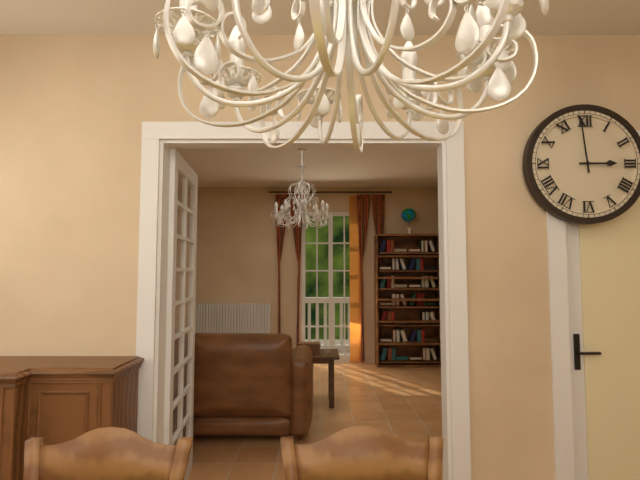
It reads **2:59**
